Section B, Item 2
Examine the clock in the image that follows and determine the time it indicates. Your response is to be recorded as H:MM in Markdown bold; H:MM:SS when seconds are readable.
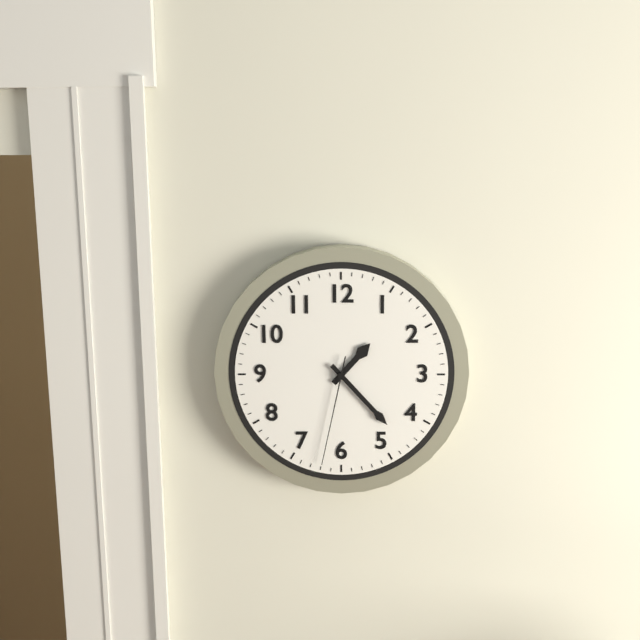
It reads **1:23:32**
